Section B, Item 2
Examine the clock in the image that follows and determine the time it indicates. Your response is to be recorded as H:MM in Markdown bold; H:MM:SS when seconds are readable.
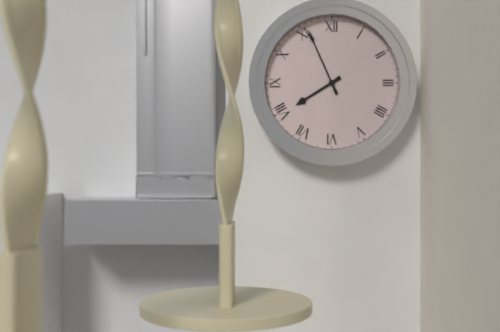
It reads **7:56**
